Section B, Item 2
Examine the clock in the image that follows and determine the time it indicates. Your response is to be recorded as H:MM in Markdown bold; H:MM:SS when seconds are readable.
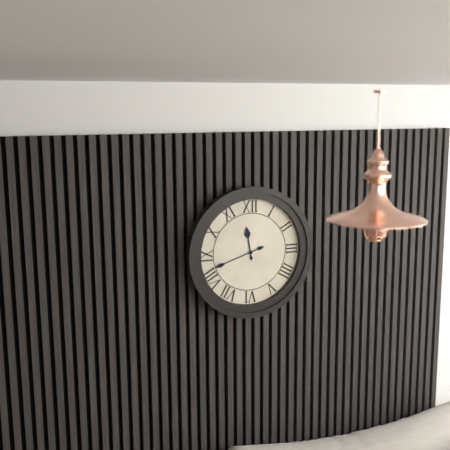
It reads **11:42**
